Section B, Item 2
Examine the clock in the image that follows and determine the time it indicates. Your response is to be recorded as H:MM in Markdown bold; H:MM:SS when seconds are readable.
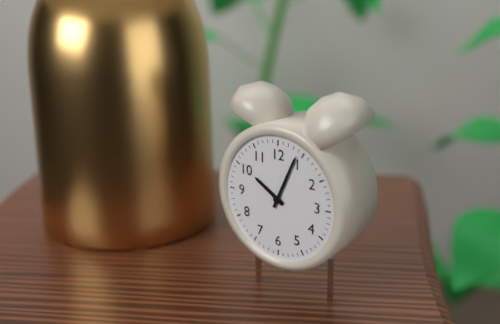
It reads **10:04**
